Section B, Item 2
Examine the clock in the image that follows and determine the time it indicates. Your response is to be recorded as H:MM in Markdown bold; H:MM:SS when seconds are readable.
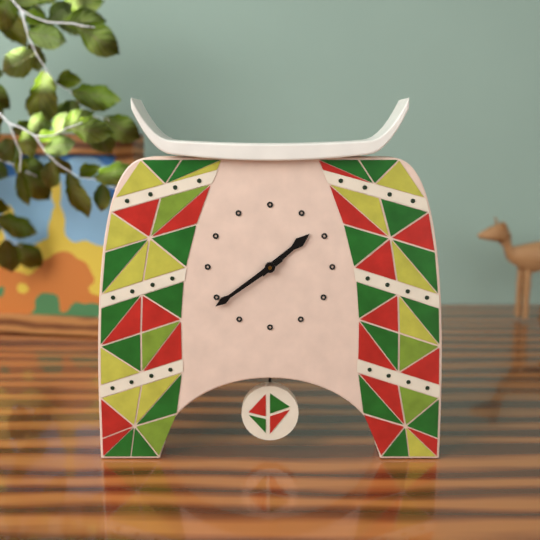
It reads **1:39**
